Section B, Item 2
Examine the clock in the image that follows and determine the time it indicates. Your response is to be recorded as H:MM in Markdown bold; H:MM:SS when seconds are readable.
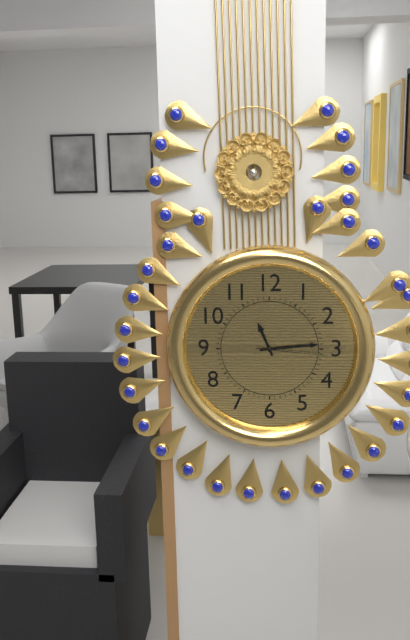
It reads **11:14:16**
